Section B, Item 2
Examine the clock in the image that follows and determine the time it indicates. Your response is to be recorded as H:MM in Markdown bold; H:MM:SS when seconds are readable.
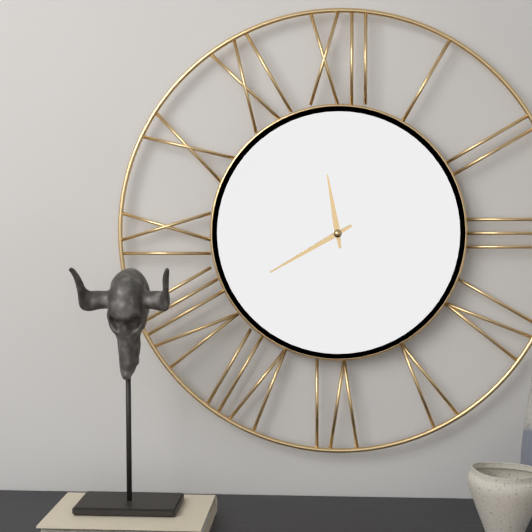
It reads **11:40**
